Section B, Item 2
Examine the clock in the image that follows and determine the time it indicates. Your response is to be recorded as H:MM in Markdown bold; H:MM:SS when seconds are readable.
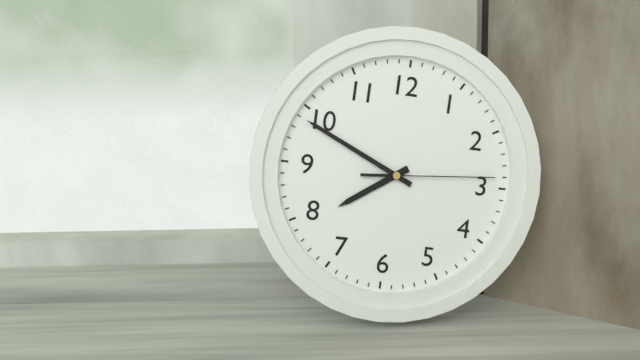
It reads **7:49:14**
